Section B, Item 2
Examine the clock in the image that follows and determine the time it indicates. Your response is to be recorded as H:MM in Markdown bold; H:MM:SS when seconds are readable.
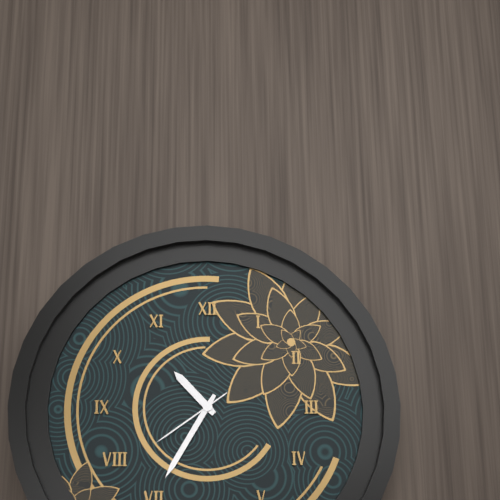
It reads **10:35:39**
